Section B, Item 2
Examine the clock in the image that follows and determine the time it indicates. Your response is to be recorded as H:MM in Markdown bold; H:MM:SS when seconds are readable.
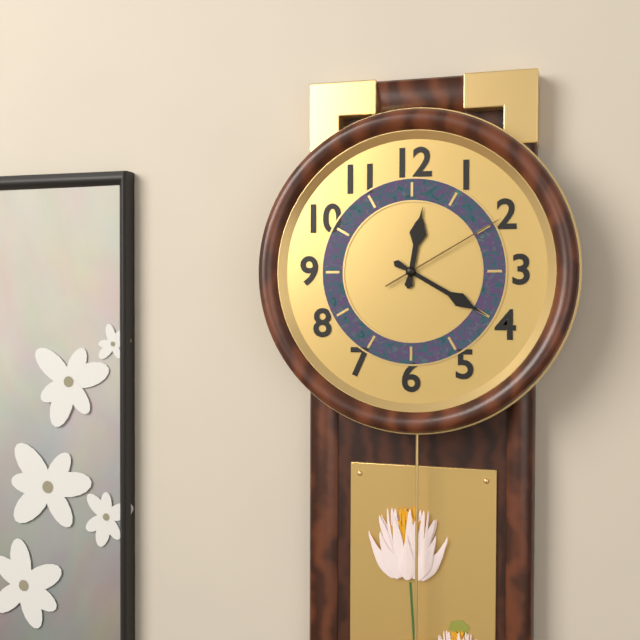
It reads **12:20:10**
